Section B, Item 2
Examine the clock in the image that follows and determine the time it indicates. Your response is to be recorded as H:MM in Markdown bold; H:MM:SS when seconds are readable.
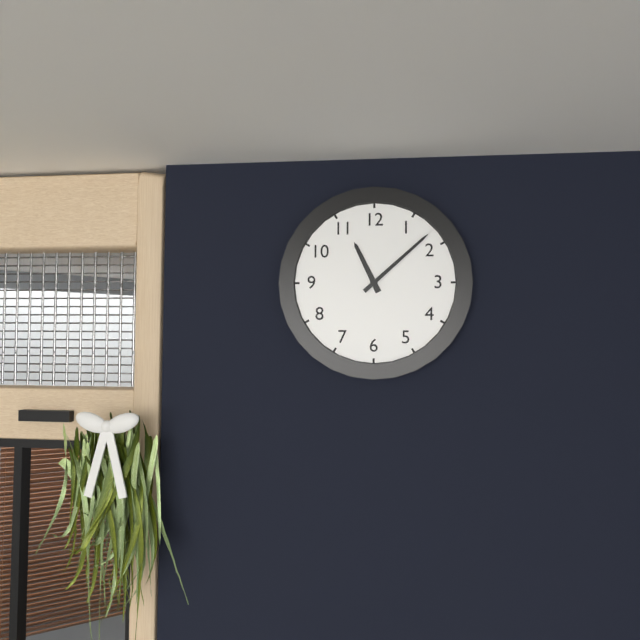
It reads **11:08**
